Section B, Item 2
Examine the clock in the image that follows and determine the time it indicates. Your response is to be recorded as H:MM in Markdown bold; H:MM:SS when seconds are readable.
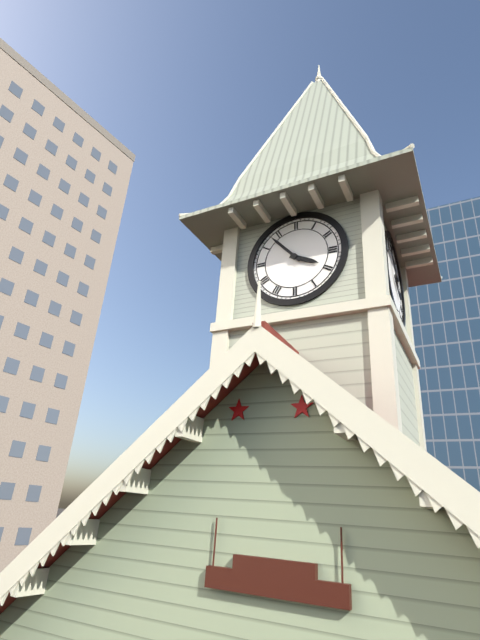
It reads **3:53**
